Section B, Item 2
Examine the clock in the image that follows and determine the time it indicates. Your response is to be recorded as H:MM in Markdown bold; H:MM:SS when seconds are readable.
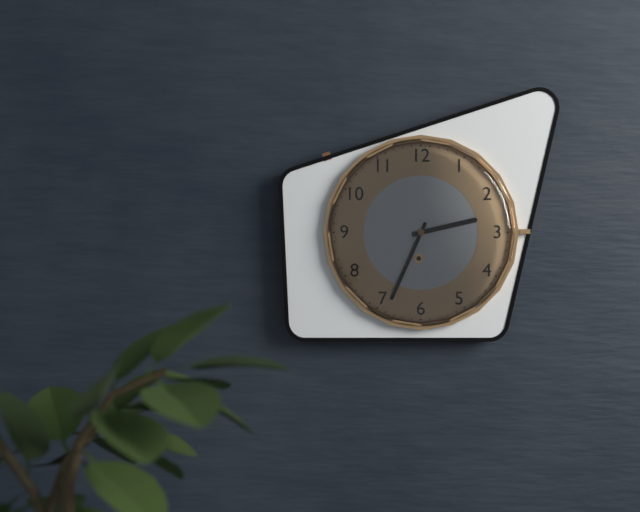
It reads **2:34**
